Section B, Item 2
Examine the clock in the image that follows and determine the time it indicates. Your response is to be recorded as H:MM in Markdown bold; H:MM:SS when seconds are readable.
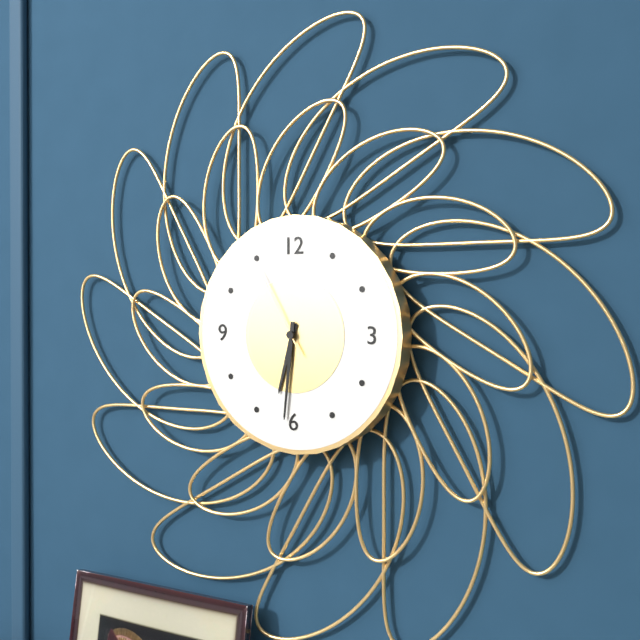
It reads **6:31:55**
